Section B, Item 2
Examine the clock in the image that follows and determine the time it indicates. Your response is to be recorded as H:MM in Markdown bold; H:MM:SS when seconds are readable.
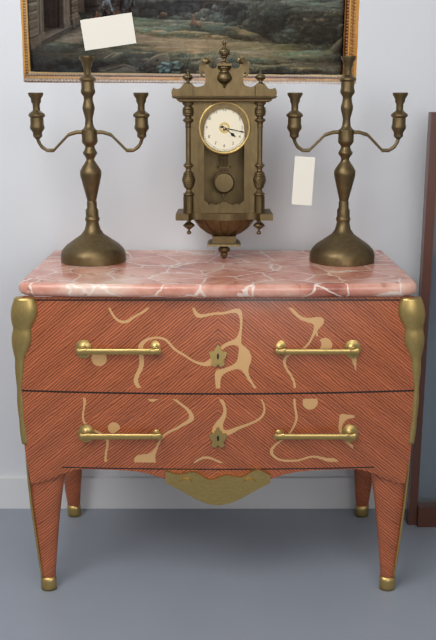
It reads **4:17**
